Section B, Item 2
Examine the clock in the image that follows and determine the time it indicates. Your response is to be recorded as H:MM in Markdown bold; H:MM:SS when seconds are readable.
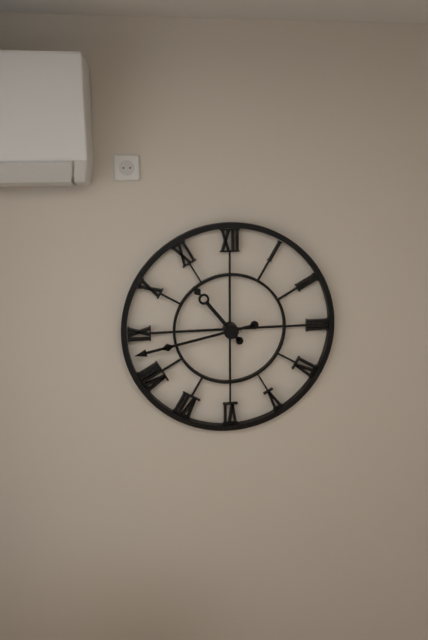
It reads **10:43**
